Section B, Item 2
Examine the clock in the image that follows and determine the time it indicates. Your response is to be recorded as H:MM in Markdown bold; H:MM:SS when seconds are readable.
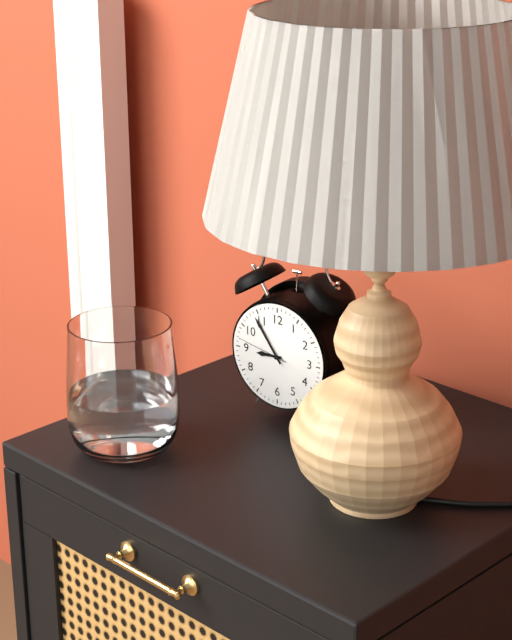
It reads **8:54:47**
